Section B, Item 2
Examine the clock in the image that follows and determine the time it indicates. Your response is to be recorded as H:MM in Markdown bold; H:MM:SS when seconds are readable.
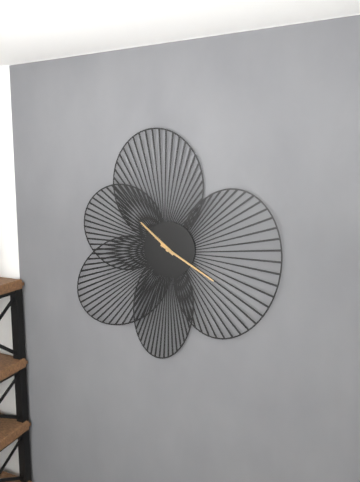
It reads **10:20**
